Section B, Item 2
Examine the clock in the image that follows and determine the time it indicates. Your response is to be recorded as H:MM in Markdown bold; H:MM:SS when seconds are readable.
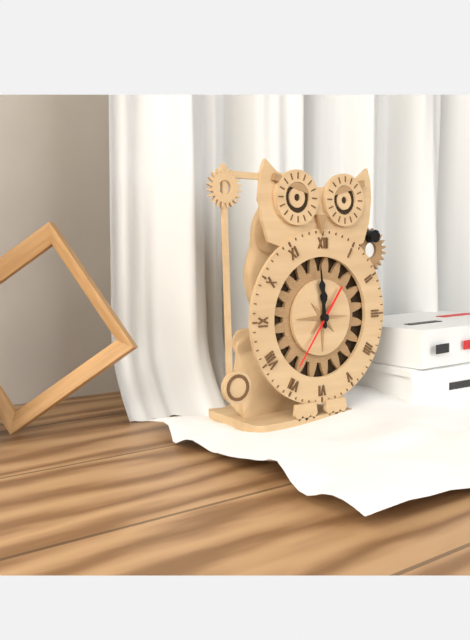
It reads **11:59:36**
